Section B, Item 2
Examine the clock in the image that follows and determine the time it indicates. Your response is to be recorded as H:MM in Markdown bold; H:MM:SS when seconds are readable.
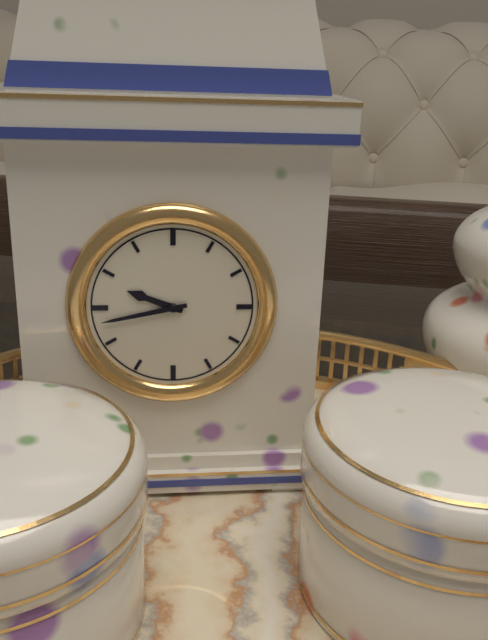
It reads **9:43**
